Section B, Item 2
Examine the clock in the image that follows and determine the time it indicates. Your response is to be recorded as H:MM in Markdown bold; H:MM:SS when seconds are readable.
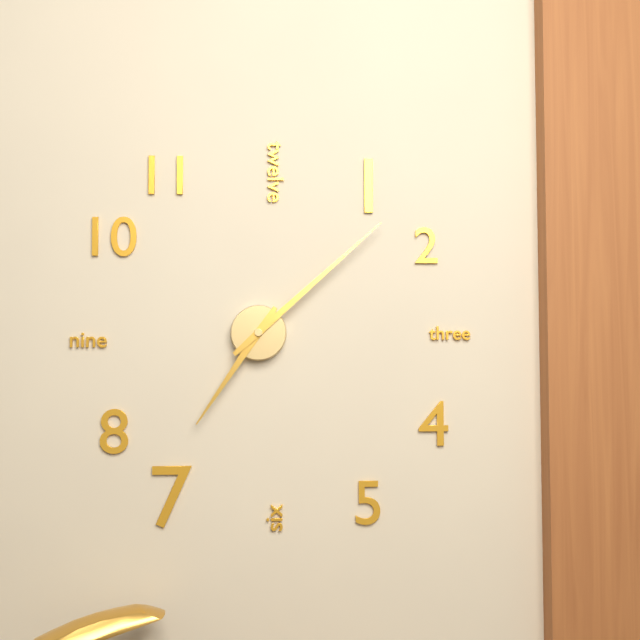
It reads **7:08**
